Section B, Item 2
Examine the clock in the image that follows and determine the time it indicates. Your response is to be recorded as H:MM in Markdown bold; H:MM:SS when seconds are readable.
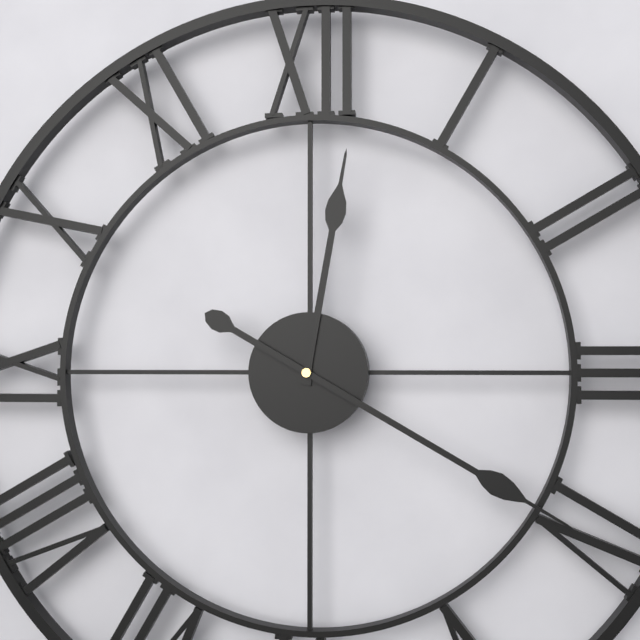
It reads **12:20**
